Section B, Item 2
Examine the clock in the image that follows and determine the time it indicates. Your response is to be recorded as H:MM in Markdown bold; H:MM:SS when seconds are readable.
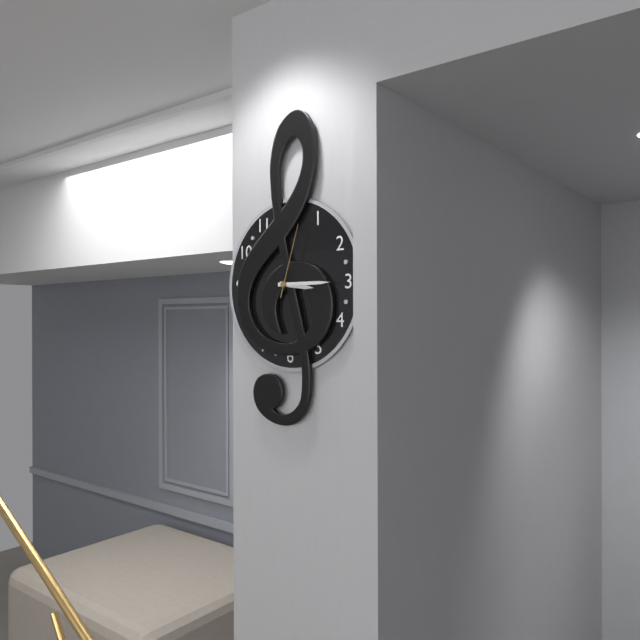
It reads **3:15:03**
